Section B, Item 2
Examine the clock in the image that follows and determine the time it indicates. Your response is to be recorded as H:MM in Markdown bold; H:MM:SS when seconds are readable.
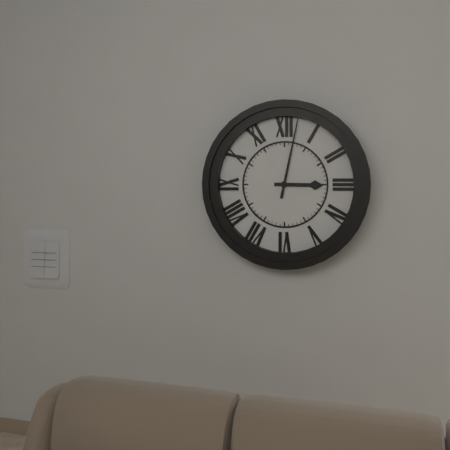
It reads **3:02**
